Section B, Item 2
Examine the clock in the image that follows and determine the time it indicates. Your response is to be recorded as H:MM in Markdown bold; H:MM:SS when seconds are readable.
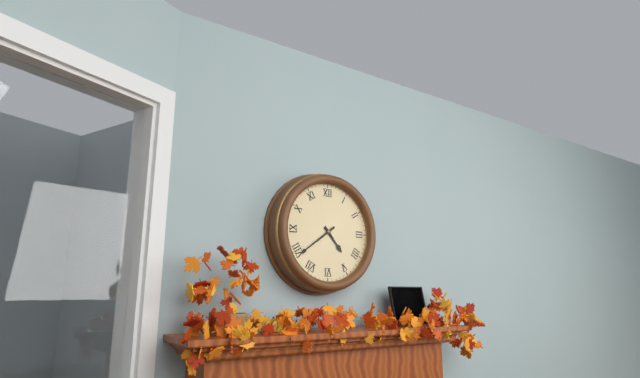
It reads **4:39**
